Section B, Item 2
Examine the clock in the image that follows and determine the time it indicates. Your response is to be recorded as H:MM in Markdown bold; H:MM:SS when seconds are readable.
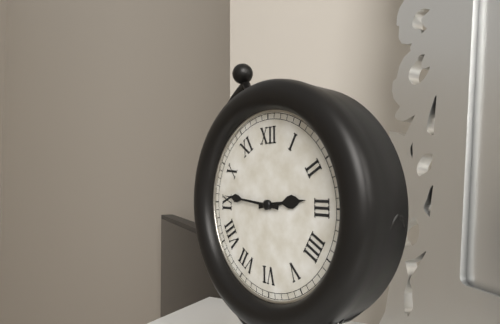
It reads **2:46**
